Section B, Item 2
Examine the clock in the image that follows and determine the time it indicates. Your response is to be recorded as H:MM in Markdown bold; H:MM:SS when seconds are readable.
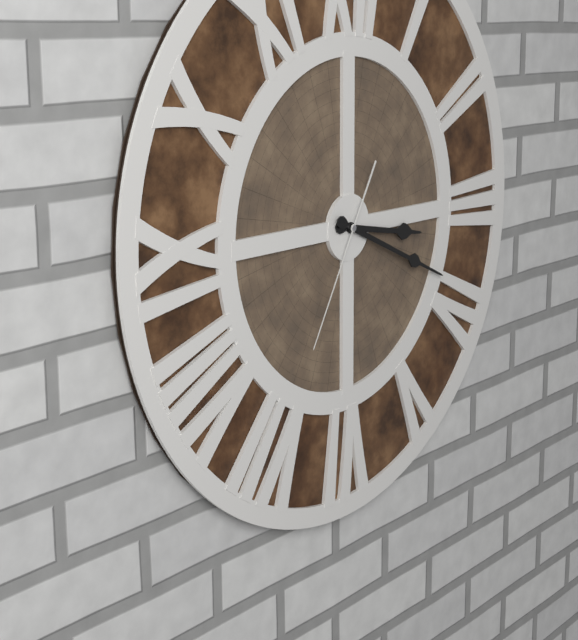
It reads **3:19:35**
